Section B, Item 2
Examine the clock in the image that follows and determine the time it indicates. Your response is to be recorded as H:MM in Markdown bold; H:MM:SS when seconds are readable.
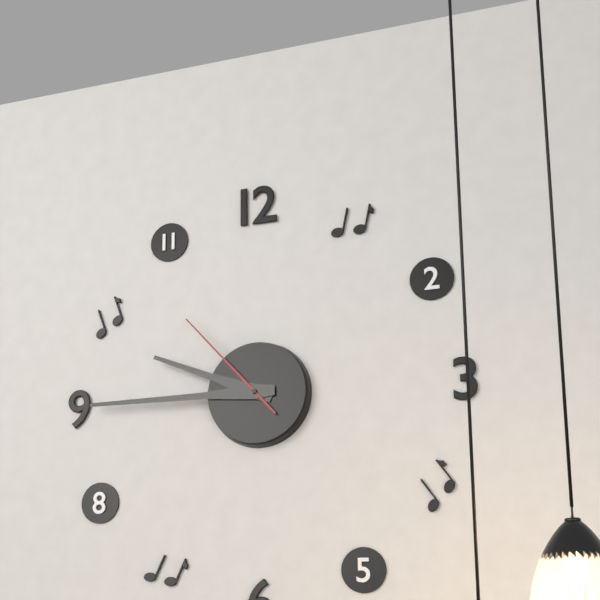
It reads **9:45:53**
